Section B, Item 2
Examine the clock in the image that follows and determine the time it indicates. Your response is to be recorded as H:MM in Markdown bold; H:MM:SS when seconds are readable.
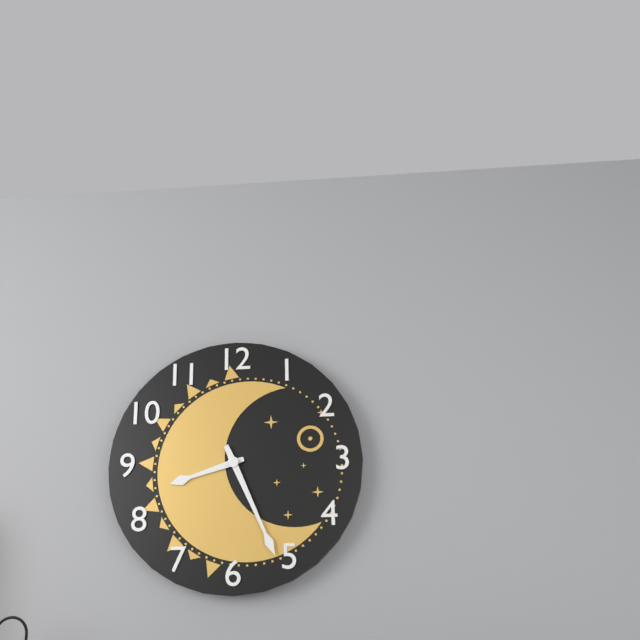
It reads **8:26**
